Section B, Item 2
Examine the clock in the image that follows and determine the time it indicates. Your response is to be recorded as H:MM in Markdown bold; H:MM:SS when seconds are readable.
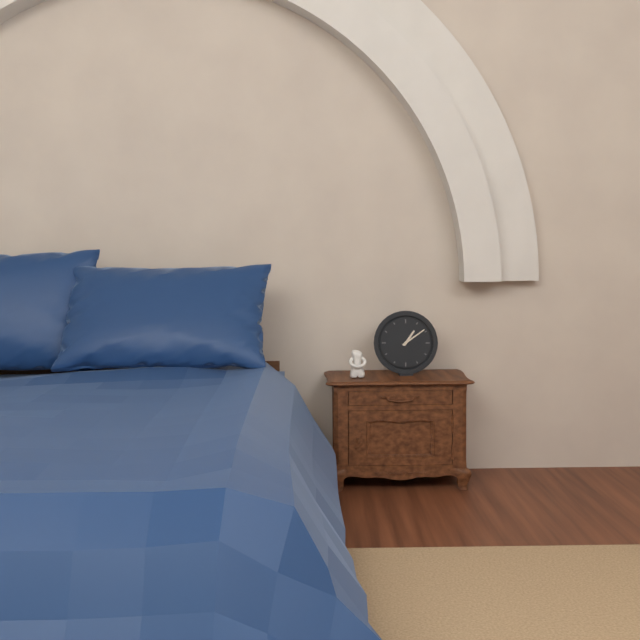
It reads **1:09**
